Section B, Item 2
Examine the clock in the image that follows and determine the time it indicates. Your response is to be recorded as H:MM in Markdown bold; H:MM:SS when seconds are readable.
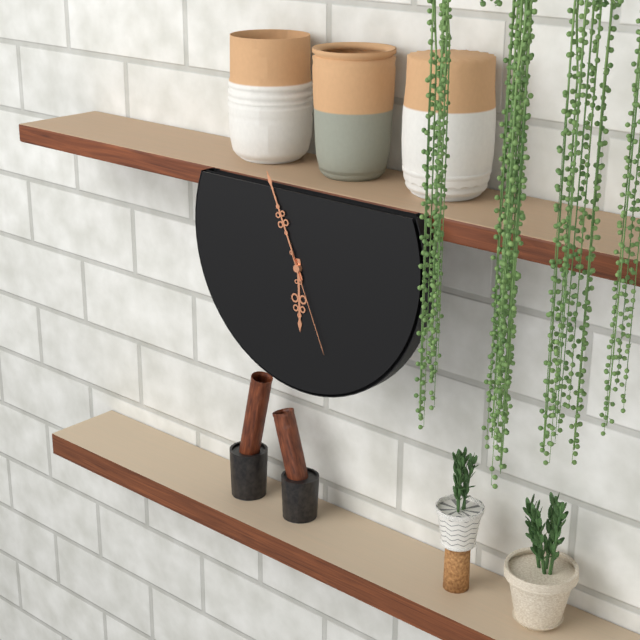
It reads **5:56:26**
